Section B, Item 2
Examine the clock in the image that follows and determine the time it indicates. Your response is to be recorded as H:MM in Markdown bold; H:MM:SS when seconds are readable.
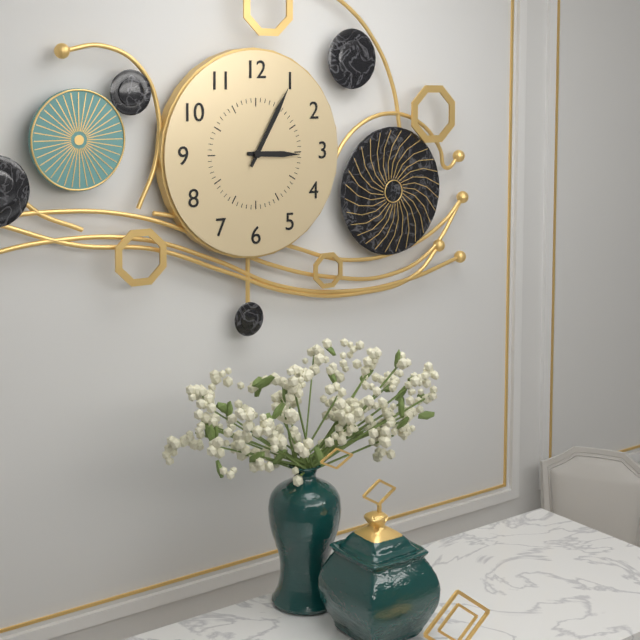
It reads **3:05**
